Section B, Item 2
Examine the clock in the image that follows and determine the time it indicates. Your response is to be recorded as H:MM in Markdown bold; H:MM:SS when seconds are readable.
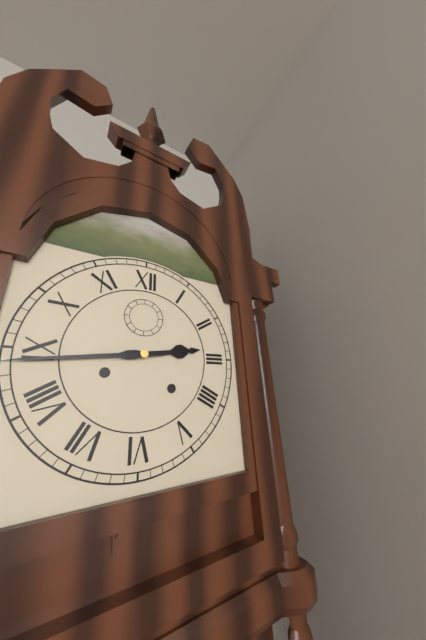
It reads **2:44**
